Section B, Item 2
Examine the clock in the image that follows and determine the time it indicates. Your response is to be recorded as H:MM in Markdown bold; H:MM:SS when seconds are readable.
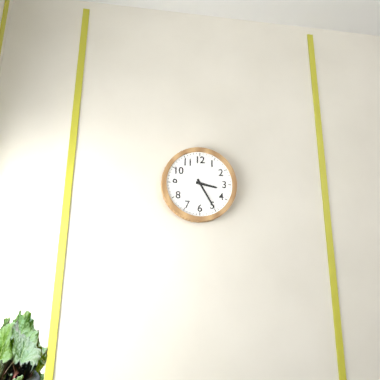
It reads **3:25**
